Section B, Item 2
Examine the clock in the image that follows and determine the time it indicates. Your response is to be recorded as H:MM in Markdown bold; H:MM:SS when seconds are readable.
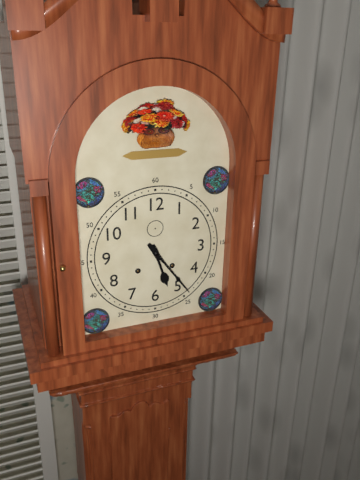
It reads **5:24**
